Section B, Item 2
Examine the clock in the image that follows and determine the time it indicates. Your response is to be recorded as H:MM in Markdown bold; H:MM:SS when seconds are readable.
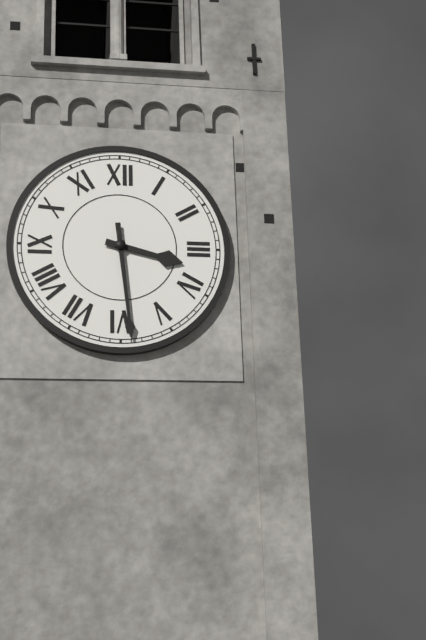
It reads **3:29**
